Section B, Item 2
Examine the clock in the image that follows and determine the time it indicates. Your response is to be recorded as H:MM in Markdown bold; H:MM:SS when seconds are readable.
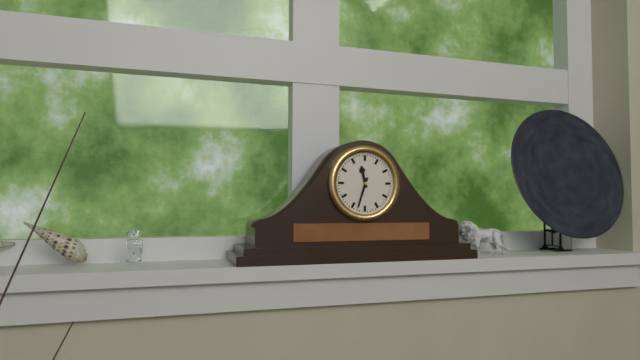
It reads **11:33**
